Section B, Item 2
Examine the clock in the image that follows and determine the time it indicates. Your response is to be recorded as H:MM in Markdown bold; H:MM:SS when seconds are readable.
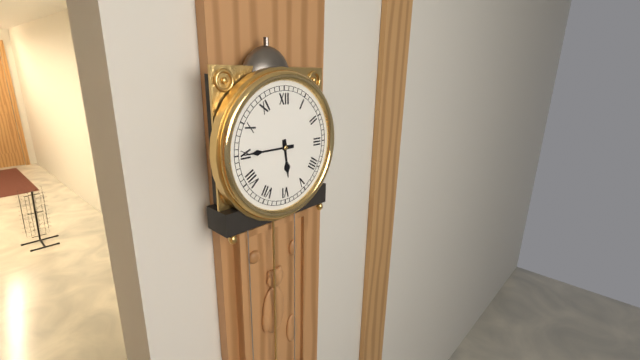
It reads **5:45**
